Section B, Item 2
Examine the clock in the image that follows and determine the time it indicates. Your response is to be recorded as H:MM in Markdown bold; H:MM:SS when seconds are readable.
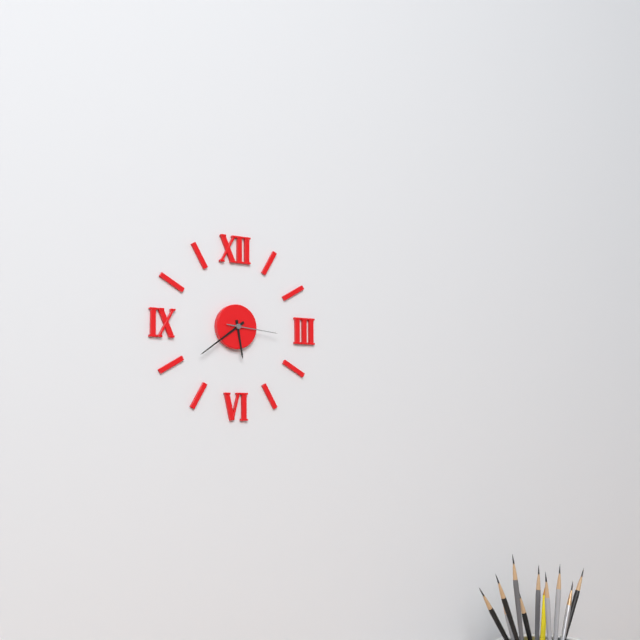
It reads **5:39:16**
